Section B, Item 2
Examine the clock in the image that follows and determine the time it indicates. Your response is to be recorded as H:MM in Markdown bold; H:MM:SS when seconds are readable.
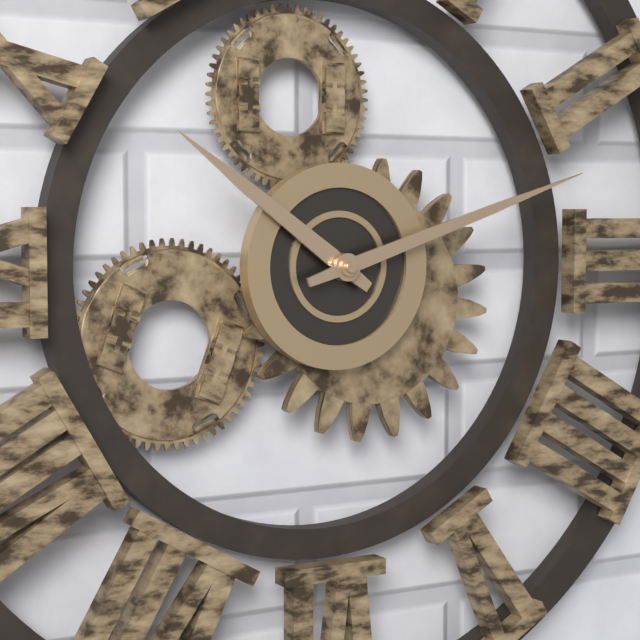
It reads **10:12**
